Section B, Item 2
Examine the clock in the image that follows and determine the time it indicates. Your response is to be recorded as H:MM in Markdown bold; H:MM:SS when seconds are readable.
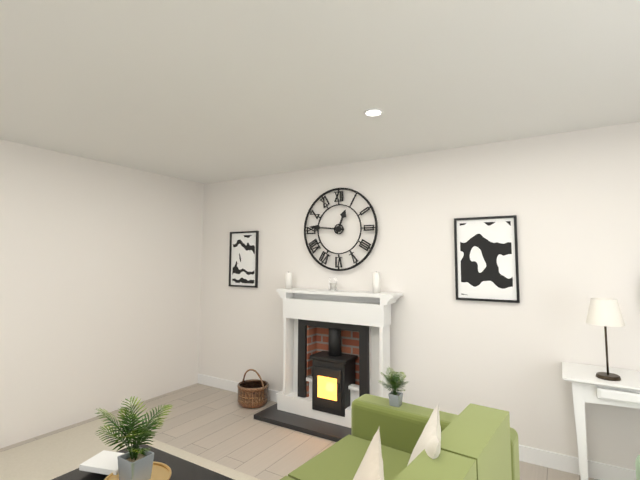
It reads **12:46**
